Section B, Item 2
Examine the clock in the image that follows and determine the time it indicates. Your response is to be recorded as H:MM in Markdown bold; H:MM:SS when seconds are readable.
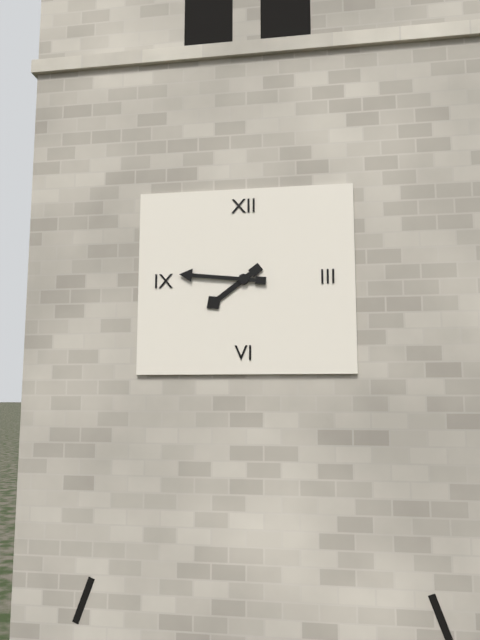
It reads **7:46**
